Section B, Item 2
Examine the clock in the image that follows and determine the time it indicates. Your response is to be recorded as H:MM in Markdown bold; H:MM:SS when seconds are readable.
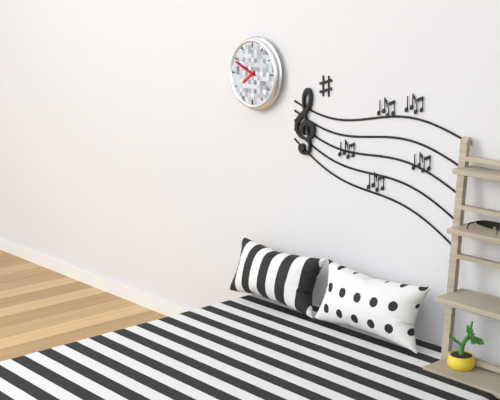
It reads **7:49**
